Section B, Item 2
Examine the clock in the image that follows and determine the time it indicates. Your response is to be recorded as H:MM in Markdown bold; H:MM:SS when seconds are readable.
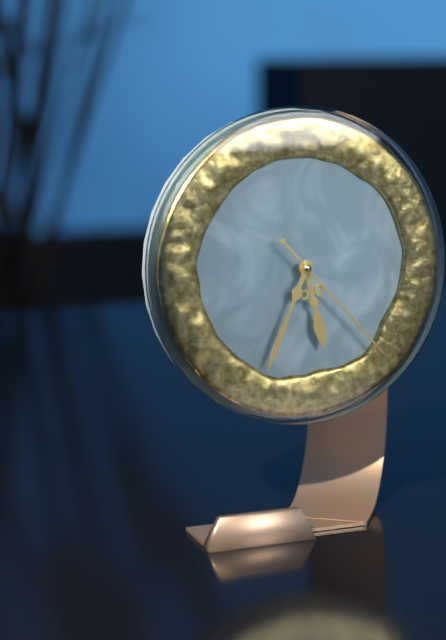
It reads **5:34:23**
